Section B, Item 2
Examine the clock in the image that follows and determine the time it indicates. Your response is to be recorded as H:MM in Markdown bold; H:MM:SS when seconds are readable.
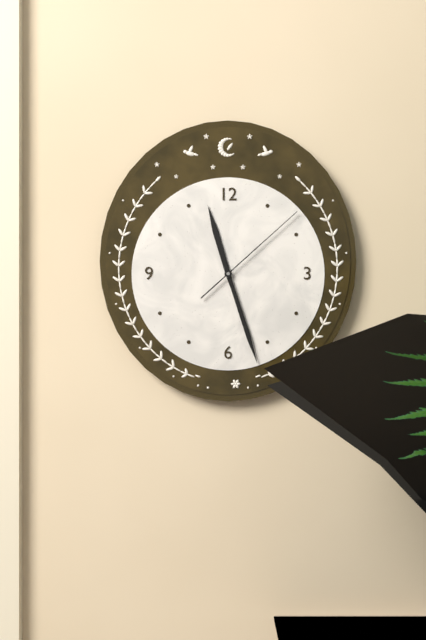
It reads **11:27:08**
